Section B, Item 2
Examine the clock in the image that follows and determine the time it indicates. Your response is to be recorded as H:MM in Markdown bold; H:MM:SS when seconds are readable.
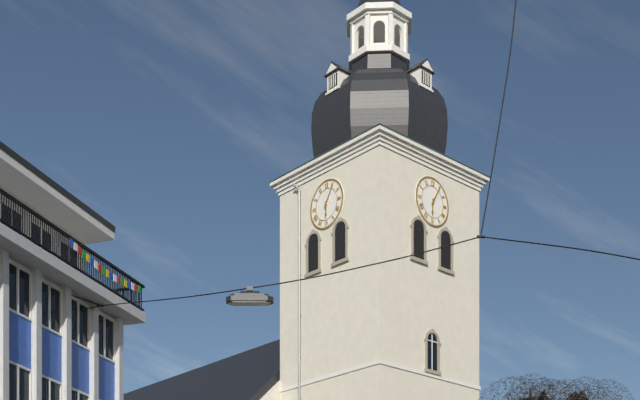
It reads **6:05**
